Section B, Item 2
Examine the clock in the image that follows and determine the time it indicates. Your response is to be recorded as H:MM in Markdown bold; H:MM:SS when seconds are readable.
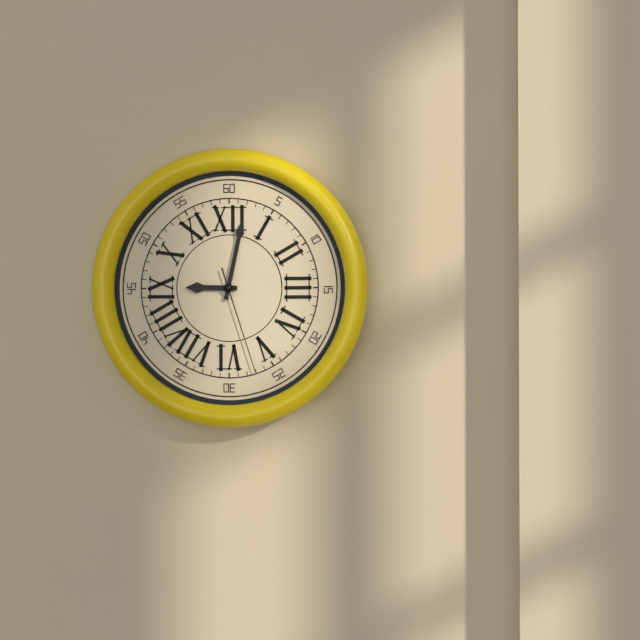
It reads **9:02:27**
